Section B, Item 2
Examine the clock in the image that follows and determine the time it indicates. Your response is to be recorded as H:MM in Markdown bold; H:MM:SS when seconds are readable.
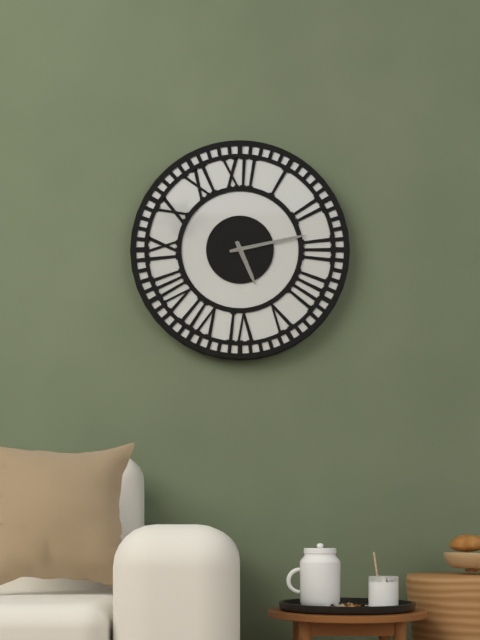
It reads **5:13**
